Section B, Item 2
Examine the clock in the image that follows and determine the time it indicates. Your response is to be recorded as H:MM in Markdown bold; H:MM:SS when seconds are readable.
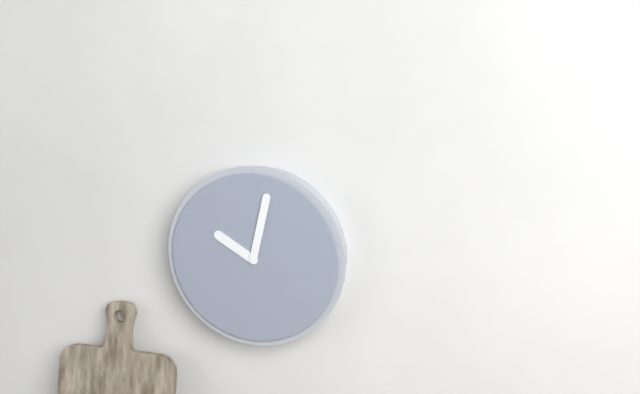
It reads **10:02**
